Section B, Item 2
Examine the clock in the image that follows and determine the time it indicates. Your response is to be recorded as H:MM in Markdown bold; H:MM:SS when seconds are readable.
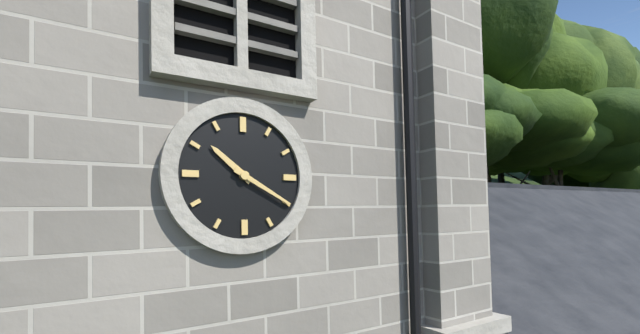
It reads **10:20**
